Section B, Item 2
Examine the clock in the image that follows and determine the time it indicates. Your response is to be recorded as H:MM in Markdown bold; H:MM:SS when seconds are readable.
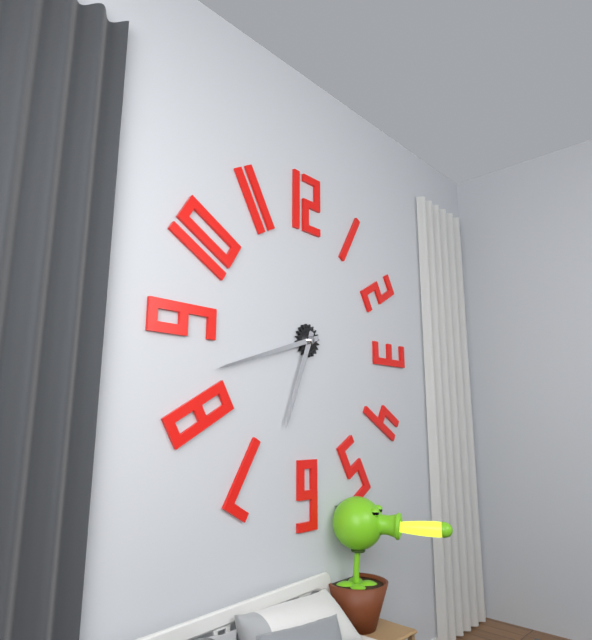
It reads **6:42**
